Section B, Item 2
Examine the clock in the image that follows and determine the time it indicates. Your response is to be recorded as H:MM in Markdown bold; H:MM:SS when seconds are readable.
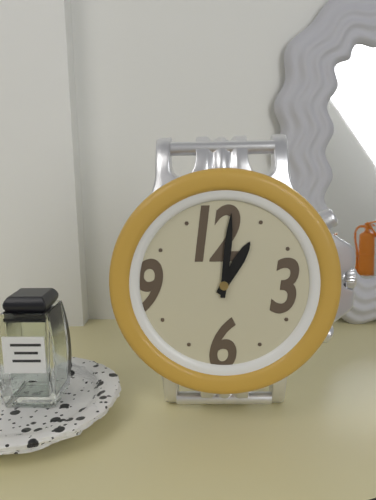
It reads **1:01**
